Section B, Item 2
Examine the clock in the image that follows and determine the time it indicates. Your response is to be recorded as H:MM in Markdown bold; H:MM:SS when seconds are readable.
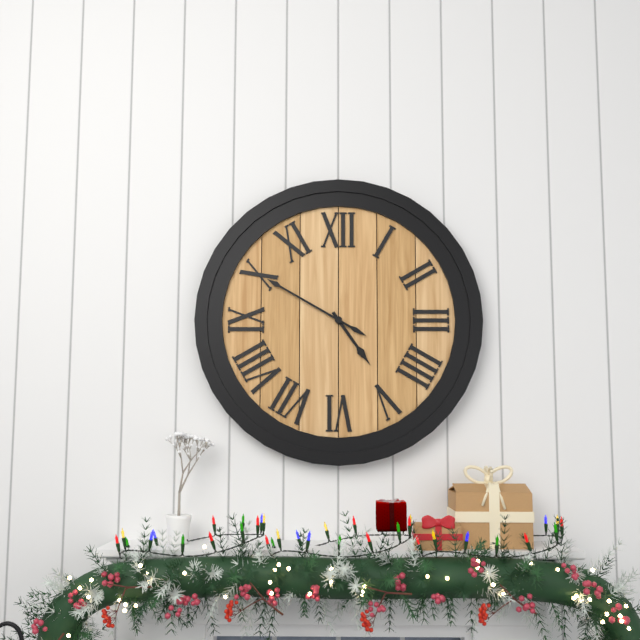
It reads **4:50**
